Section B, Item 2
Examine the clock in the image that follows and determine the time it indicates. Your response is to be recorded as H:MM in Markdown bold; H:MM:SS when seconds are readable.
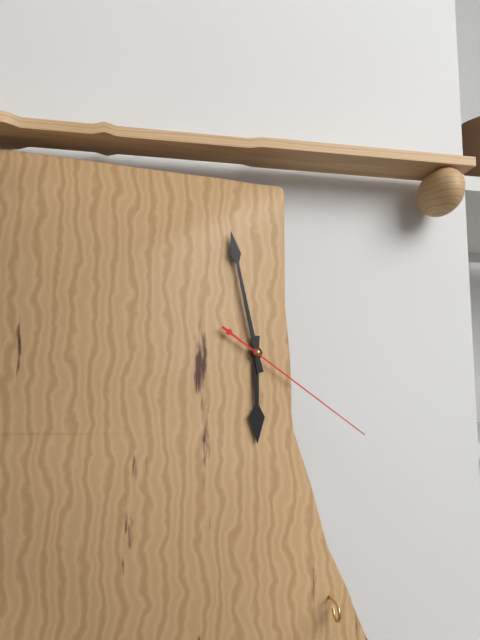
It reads **5:58:21**
